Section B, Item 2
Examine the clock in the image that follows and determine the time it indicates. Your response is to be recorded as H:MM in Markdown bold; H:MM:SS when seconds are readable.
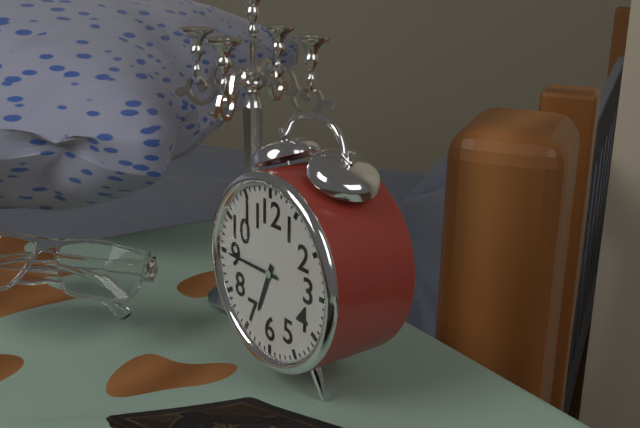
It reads **6:45**
